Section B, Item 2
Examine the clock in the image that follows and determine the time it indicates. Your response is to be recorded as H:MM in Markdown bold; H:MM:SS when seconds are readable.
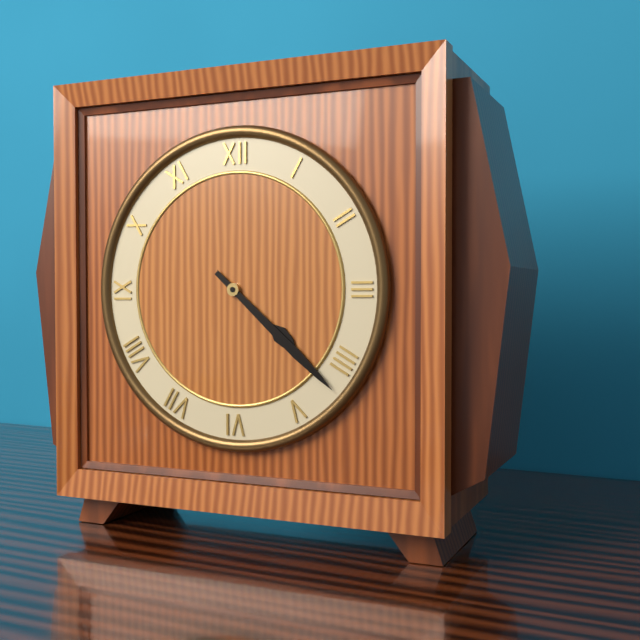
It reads **4:22**
